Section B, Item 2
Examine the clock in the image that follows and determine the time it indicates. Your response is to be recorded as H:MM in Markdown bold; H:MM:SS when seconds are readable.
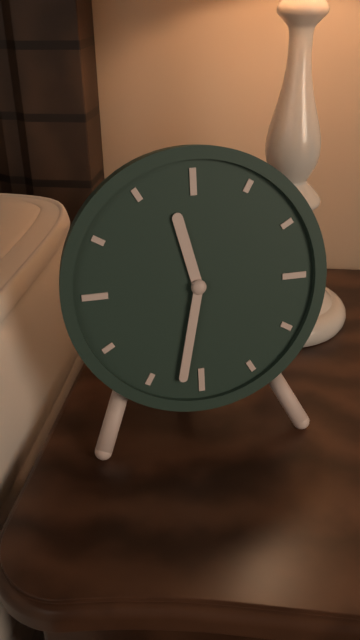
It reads **11:32**
